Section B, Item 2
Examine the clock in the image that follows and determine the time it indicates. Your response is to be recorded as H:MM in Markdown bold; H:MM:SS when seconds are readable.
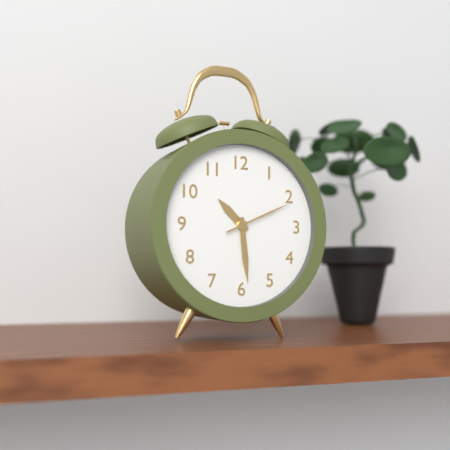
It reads **10:29:11**
